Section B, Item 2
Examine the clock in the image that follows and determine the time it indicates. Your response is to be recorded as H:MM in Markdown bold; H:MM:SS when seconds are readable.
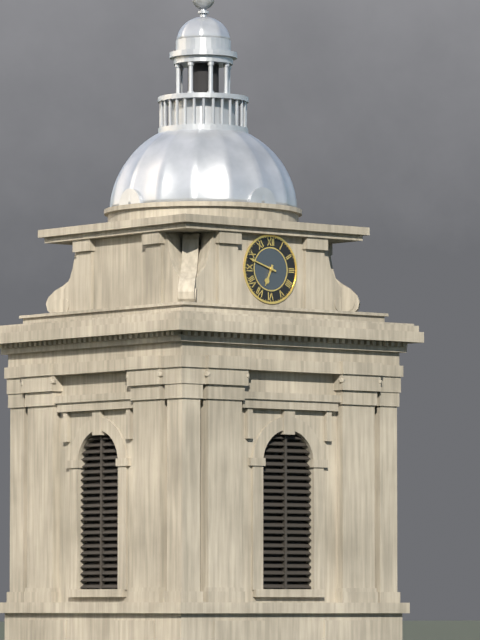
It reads **6:48**
